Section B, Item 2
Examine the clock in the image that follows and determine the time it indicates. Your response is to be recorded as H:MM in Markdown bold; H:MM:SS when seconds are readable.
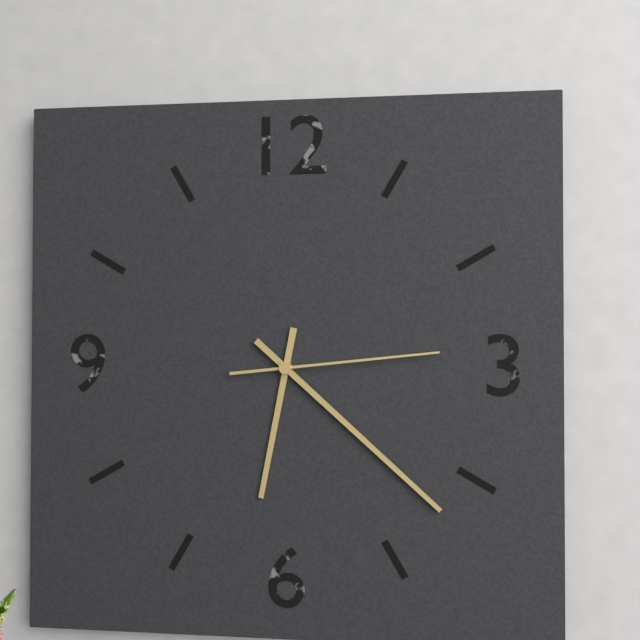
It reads **6:22:14**
